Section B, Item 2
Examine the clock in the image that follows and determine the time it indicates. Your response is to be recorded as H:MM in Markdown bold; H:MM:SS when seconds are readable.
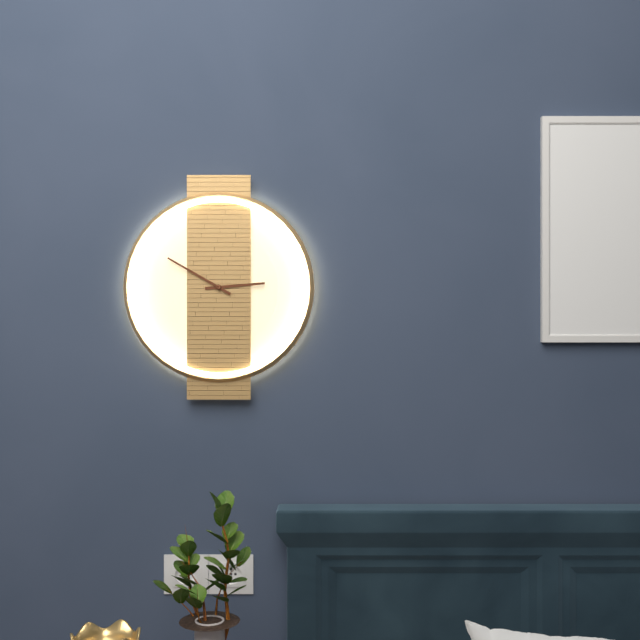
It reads **2:50**
